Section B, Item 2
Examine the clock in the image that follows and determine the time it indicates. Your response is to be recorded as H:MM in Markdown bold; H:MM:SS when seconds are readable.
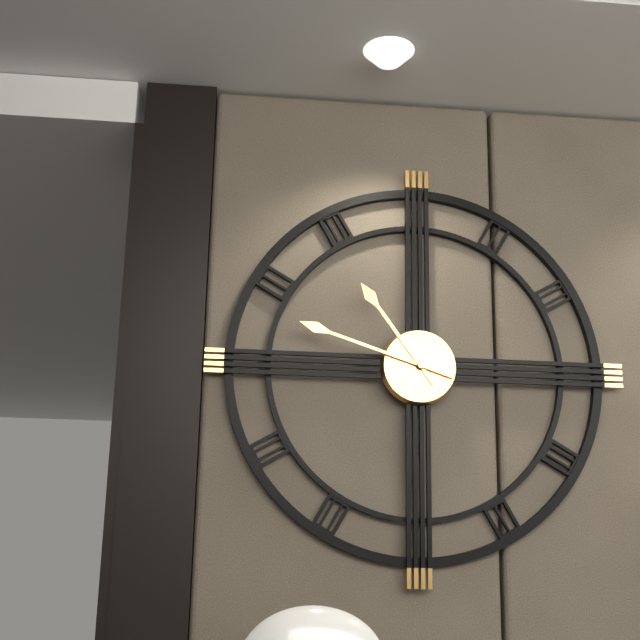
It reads **10:48**
